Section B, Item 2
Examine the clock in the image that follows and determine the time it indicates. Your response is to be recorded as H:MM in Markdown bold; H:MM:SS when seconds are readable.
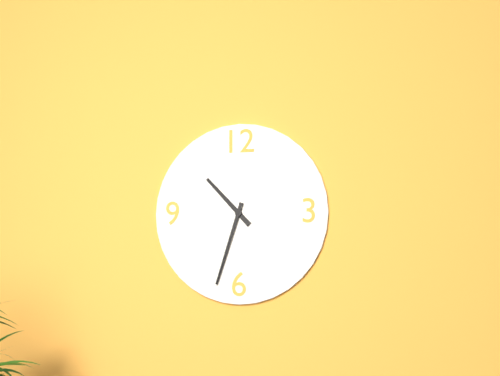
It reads **10:33**
